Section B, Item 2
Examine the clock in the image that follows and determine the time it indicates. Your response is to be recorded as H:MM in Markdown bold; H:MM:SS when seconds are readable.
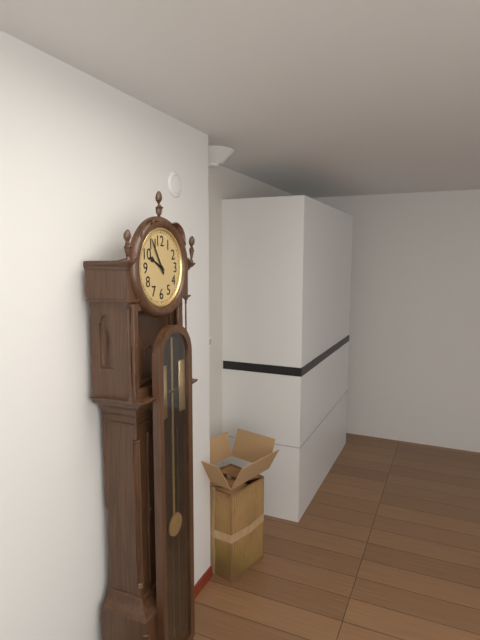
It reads **9:55**
